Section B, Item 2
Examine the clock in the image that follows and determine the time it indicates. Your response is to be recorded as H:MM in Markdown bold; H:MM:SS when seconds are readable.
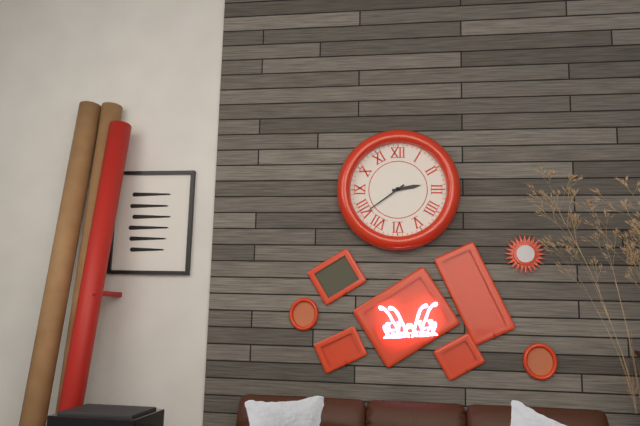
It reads **2:39**
